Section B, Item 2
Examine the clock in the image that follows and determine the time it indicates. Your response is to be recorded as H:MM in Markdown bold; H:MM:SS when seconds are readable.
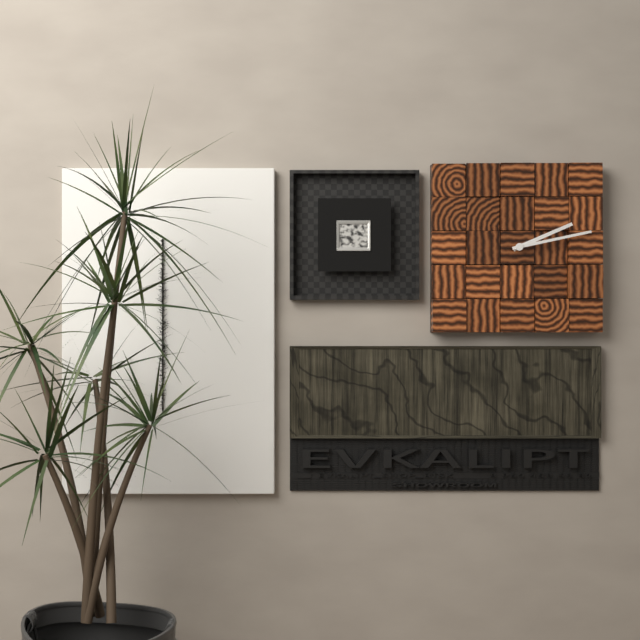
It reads **2:13**
